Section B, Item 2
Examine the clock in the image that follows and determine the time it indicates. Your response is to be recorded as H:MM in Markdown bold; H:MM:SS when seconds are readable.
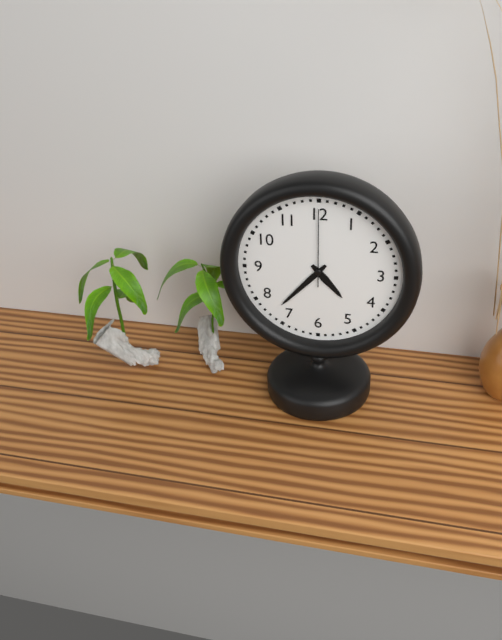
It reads **4:37:00**
